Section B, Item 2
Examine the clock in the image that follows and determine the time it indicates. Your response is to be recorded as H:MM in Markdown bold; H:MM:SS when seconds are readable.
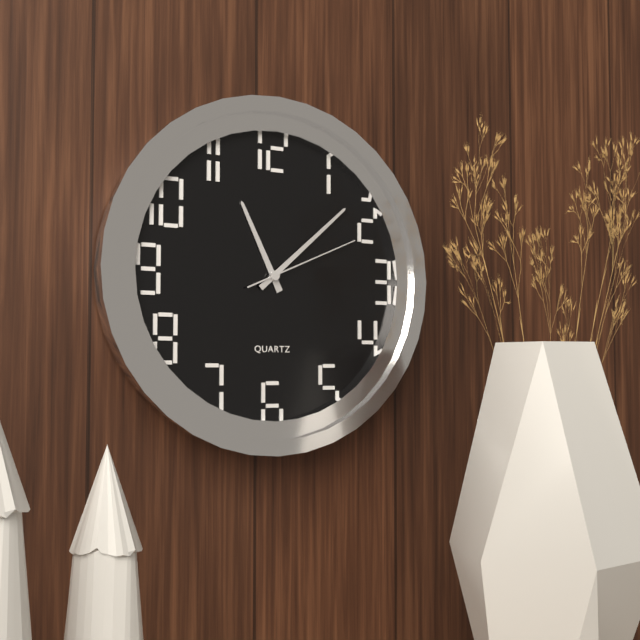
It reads **11:08:11**
